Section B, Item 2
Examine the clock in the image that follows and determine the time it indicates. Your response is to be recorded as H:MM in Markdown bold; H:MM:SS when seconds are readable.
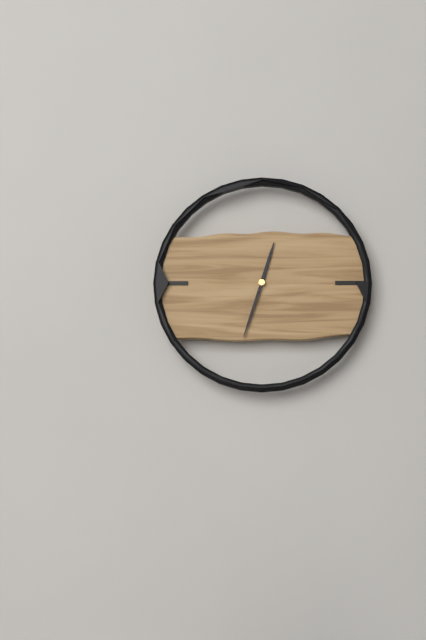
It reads **12:33**
